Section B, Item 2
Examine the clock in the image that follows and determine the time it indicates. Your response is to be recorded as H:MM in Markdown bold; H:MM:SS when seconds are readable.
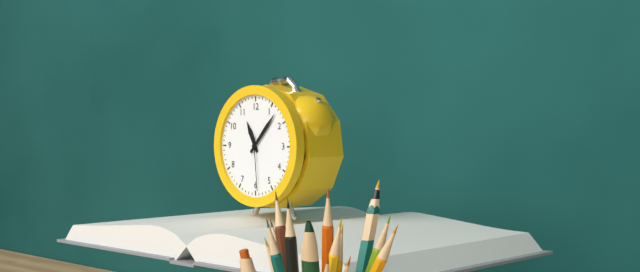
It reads **11:07:29**
